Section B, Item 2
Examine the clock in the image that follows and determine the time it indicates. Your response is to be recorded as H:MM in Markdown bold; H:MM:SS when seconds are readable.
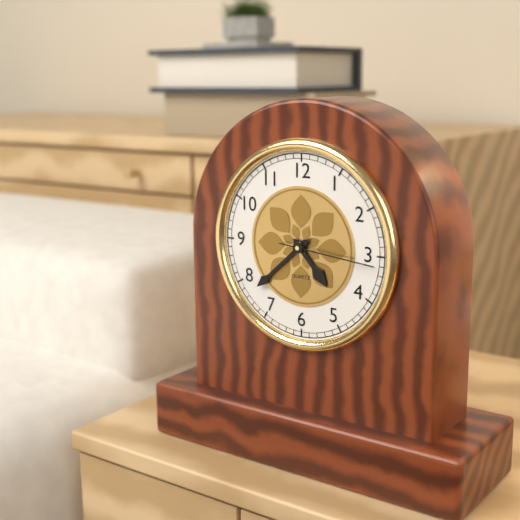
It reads **4:38:16**
